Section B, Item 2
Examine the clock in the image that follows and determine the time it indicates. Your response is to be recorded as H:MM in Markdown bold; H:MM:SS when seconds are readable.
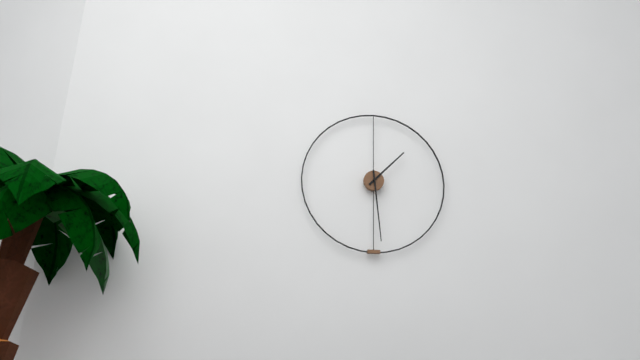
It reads **1:29**
